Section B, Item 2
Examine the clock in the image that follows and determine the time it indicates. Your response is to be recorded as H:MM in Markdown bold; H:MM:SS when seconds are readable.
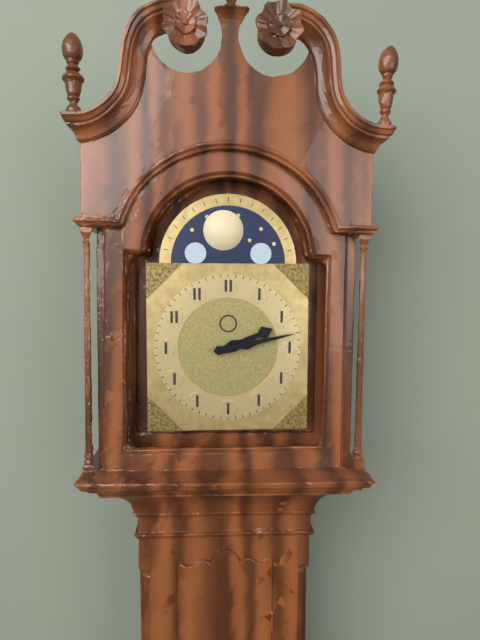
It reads **2:13**
